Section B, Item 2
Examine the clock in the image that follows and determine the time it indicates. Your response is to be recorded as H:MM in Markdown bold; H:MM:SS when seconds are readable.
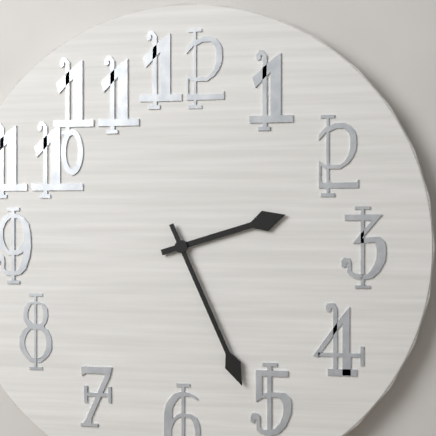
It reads **2:26**
